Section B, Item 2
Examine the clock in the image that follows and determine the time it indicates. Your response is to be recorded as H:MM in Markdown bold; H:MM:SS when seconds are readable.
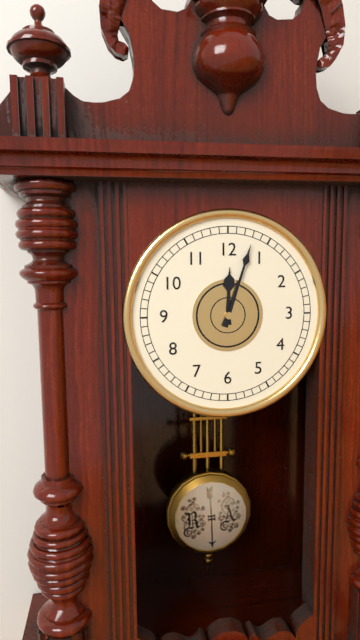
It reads **12:03**
